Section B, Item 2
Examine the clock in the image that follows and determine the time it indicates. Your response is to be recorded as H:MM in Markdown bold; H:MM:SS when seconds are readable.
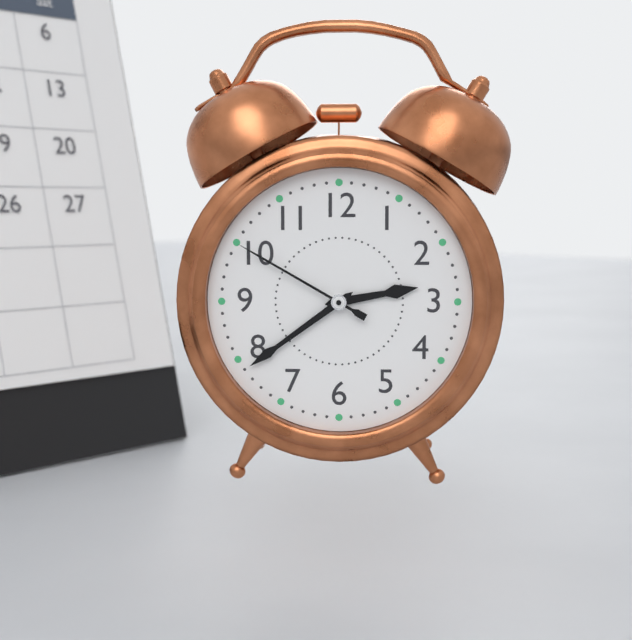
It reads **2:39:50**
